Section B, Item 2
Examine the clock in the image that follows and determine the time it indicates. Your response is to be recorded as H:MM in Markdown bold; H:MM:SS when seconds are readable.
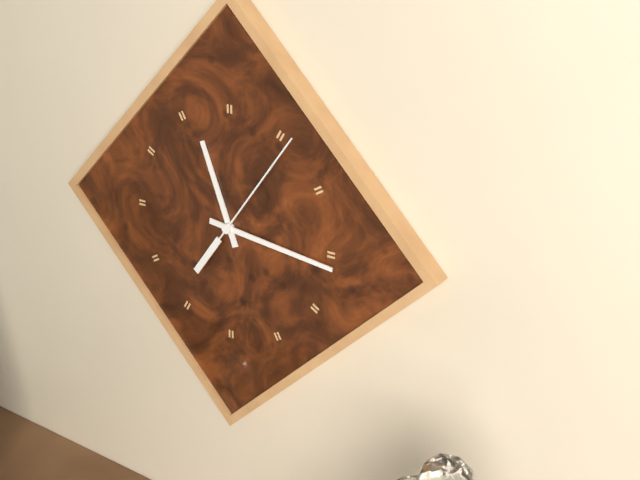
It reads **11:16:06**
